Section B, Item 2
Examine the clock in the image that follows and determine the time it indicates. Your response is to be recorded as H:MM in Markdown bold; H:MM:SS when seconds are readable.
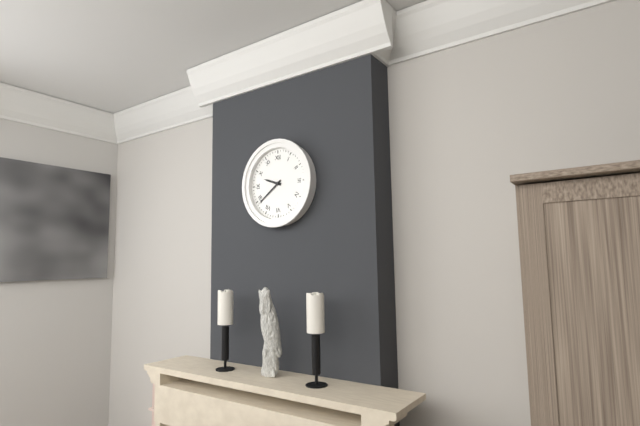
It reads **9:39**
